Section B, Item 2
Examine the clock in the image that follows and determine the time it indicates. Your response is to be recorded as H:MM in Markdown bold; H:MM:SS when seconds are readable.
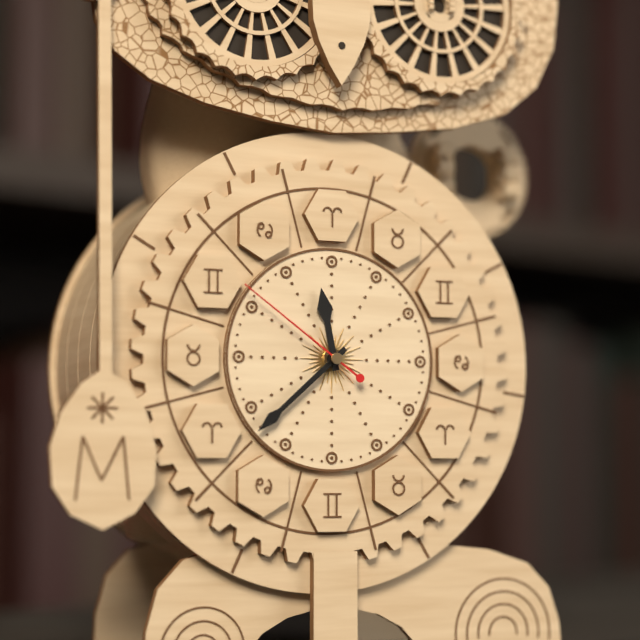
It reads **11:38:51**
